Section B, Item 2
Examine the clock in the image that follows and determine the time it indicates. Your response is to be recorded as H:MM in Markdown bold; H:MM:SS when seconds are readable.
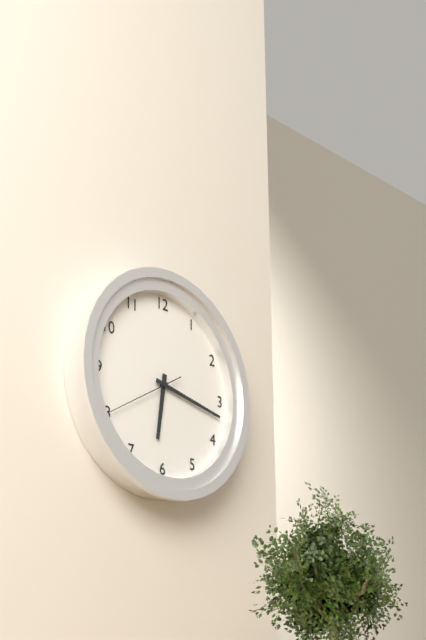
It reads **6:17:40**
